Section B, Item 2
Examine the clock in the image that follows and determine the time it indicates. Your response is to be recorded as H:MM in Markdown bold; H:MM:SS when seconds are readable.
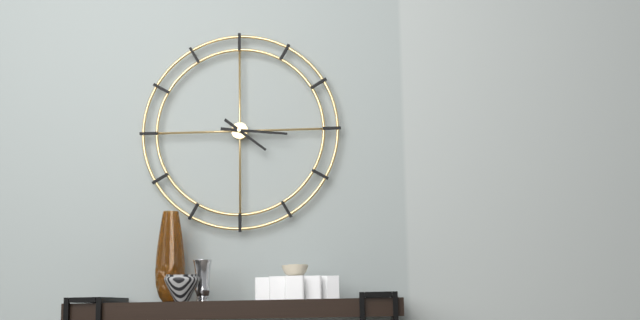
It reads **4:16**
